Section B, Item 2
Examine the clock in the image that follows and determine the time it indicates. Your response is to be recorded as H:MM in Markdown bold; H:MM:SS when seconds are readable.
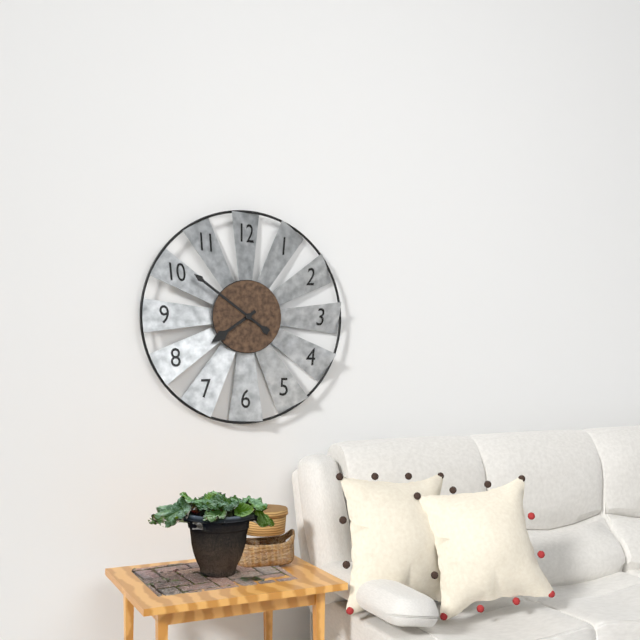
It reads **7:51**
